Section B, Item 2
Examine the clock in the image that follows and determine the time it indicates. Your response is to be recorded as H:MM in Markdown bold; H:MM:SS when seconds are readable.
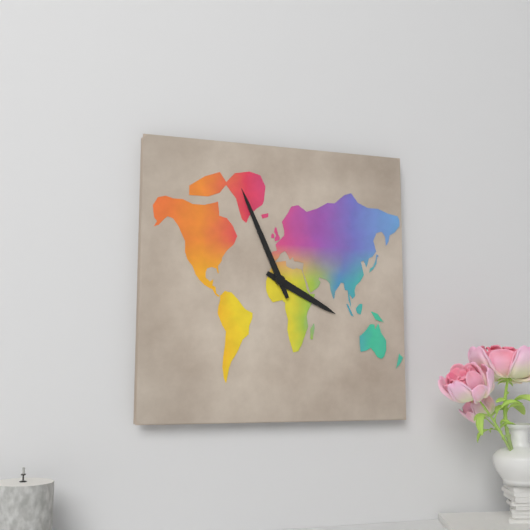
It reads **3:56**
